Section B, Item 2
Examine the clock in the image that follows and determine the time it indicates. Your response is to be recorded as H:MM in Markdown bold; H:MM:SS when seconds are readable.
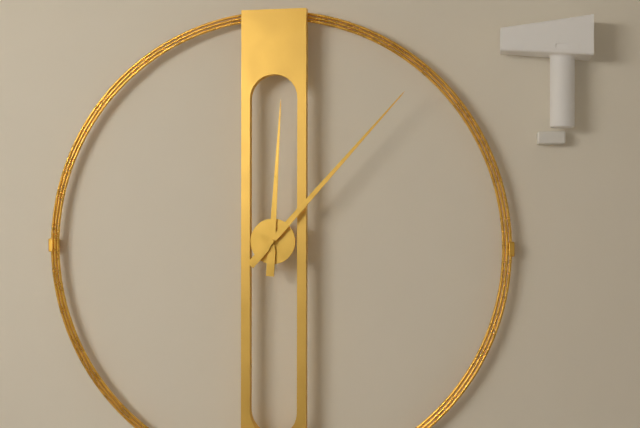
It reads **12:07**
